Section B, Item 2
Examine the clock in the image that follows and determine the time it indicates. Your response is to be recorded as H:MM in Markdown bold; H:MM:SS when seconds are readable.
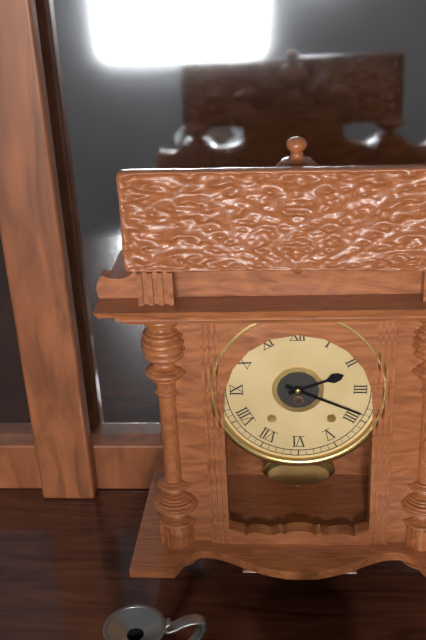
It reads **2:19**
